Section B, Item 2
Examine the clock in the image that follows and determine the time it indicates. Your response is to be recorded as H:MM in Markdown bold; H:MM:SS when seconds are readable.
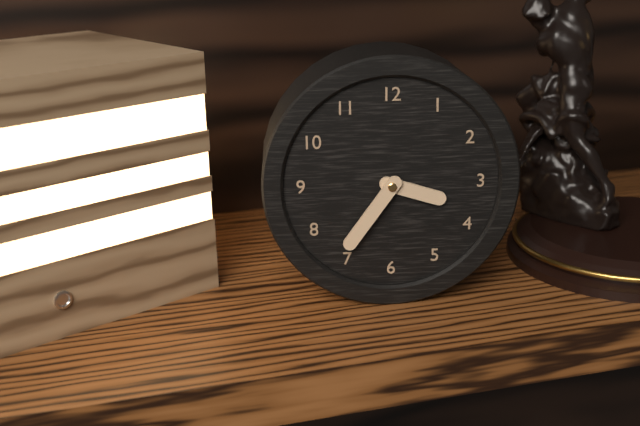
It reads **3:36**
